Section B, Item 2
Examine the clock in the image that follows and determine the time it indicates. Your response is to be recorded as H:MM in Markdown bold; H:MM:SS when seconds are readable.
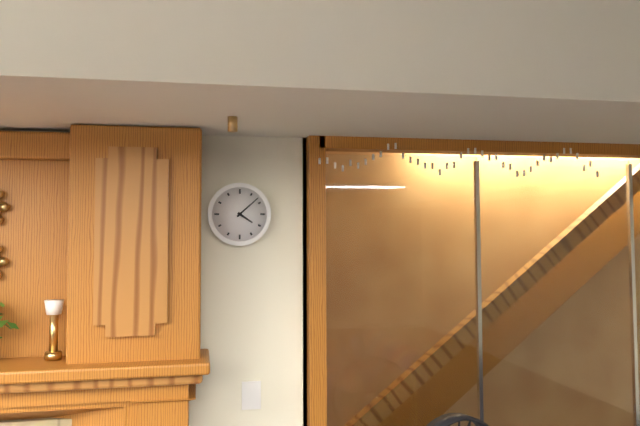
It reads **4:08**
